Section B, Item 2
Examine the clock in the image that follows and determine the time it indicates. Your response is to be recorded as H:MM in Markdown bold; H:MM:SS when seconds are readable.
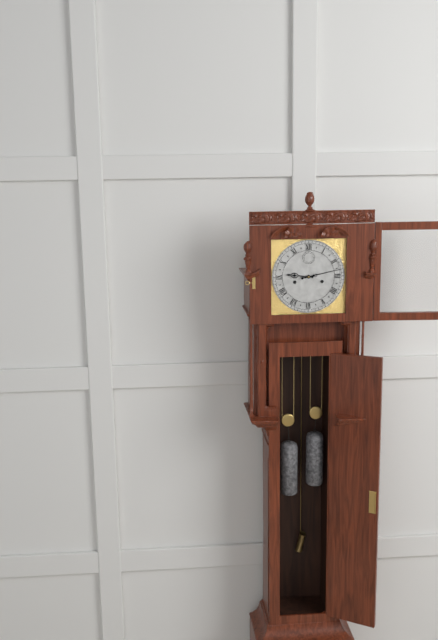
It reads **9:13**
